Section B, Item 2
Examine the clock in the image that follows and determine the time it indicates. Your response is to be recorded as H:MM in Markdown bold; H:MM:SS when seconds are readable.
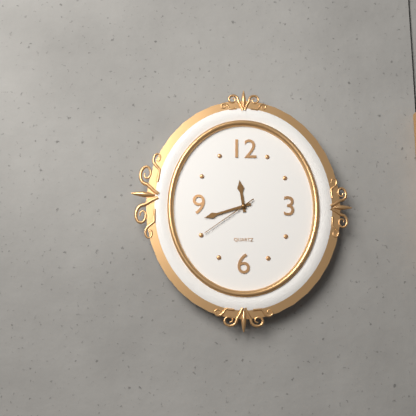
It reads **11:42:39**
